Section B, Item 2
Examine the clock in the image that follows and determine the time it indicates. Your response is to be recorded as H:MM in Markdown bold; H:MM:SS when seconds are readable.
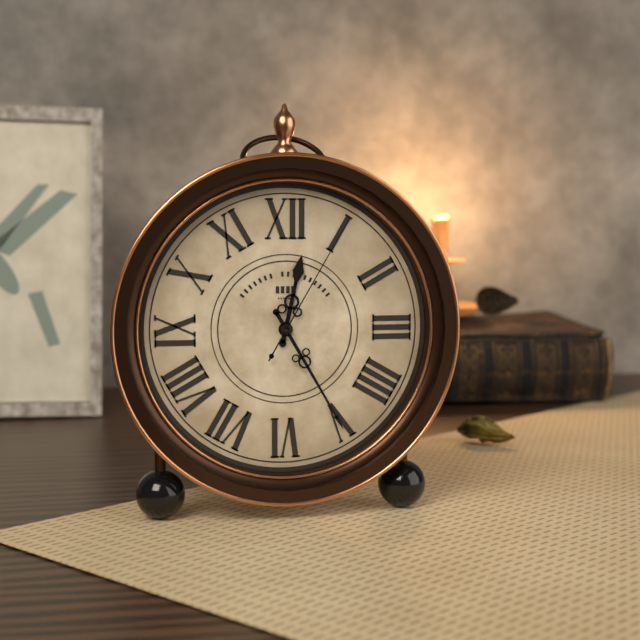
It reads **12:25:05**
